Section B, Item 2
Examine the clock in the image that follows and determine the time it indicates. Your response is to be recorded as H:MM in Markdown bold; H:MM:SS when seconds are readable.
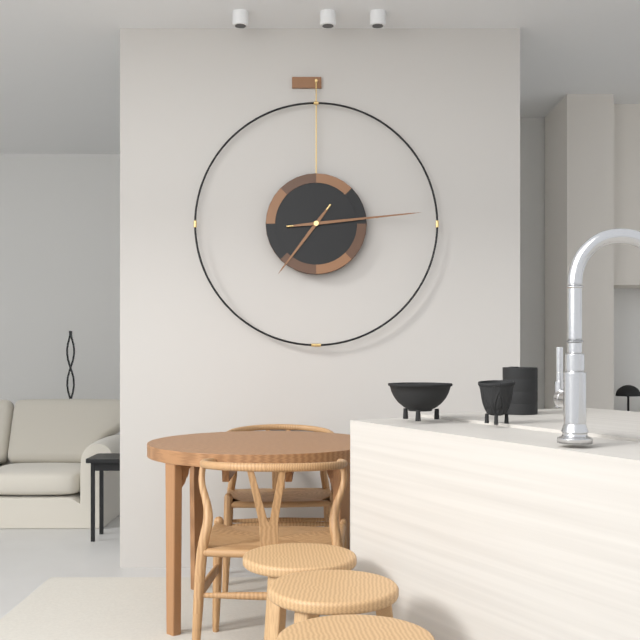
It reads **7:14**
